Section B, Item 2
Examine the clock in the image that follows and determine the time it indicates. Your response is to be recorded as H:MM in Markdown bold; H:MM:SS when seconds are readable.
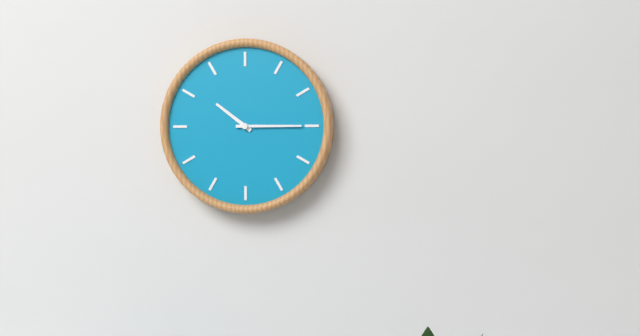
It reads **10:15**
